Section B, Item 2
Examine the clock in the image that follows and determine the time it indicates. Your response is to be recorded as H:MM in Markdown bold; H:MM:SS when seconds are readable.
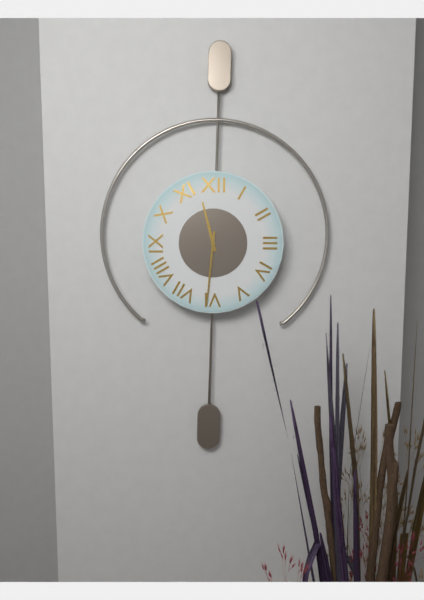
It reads **11:31**
